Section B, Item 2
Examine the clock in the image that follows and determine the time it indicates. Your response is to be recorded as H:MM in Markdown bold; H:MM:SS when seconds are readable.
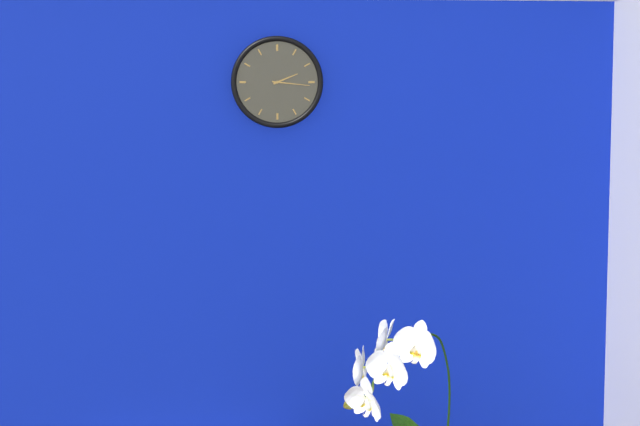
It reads **2:16**
